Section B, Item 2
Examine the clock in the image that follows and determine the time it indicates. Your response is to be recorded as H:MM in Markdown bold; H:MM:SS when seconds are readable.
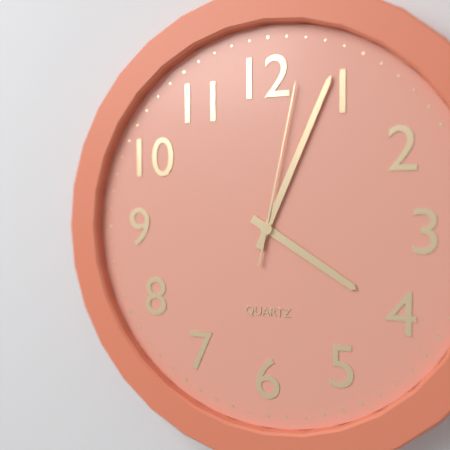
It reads **4:04:02**
